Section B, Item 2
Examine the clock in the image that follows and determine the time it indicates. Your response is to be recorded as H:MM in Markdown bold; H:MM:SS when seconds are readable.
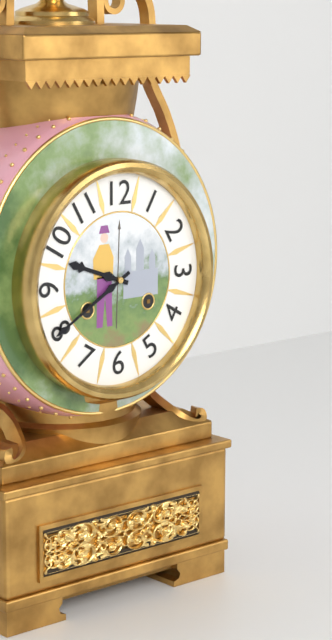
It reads **9:40**
